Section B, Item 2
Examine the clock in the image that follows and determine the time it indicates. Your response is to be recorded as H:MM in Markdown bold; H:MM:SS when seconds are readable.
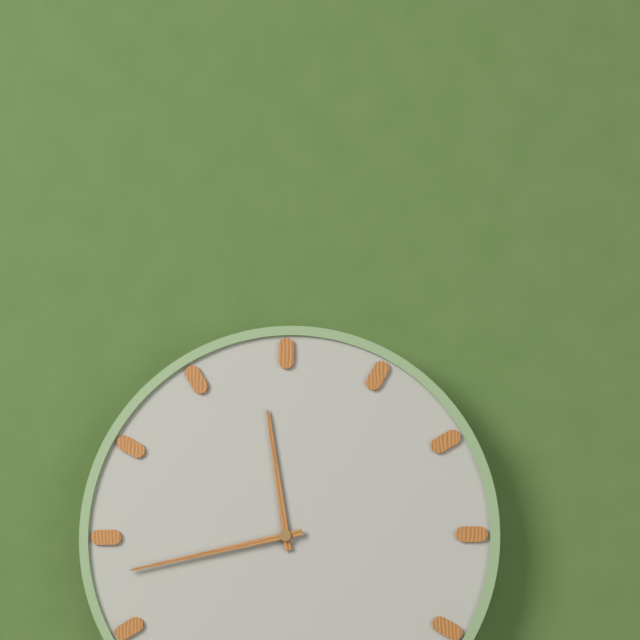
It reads **11:43**
